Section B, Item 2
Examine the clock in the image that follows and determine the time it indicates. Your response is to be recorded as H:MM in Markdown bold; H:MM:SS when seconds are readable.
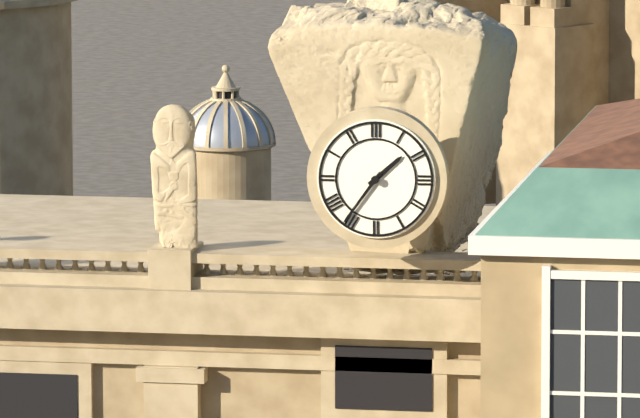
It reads **1:36**
